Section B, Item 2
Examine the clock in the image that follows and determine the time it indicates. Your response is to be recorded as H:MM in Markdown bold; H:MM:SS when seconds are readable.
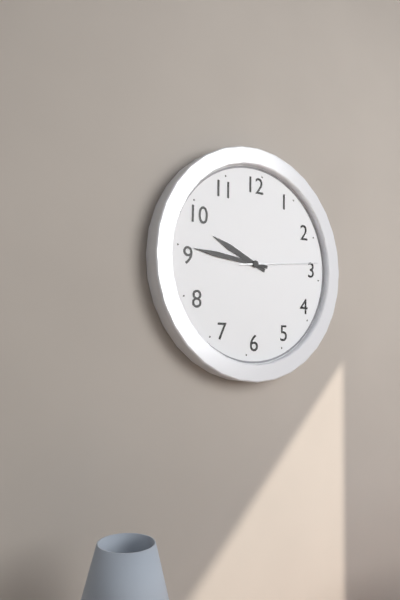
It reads **9:46:14**
